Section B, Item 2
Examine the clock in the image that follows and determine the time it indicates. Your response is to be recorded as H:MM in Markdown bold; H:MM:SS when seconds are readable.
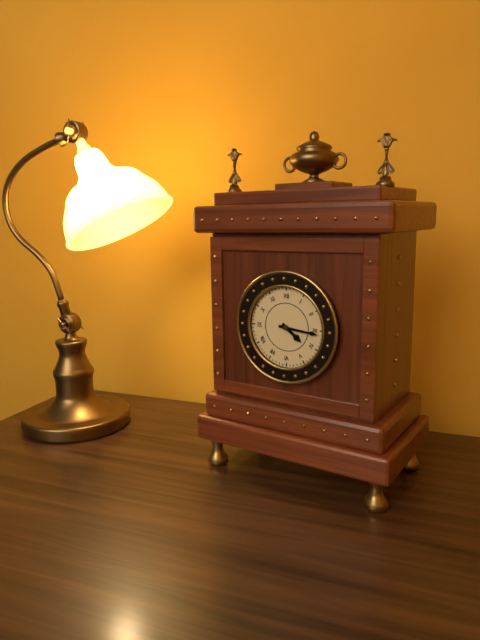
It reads **4:16**
